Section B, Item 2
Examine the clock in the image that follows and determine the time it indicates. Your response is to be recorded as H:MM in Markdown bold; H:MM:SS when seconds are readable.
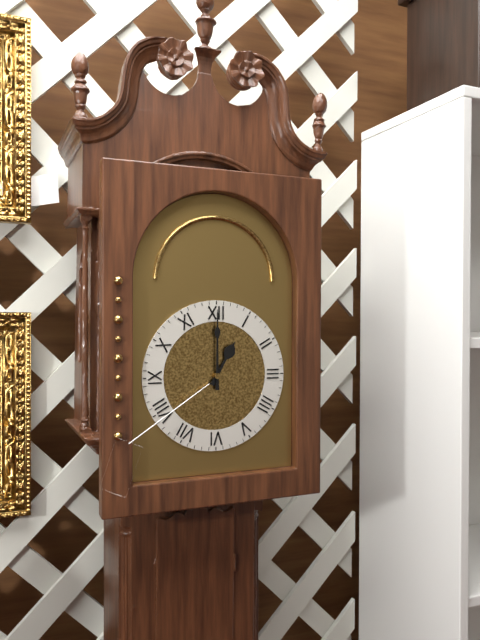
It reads **1:00**
